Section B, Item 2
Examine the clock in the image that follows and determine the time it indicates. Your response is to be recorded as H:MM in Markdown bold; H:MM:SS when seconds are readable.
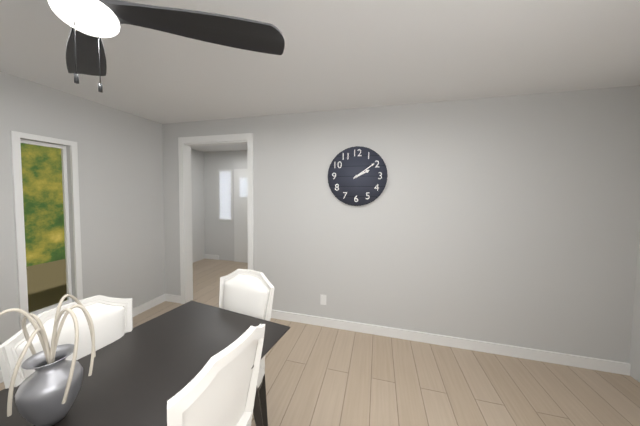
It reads **2:09**
